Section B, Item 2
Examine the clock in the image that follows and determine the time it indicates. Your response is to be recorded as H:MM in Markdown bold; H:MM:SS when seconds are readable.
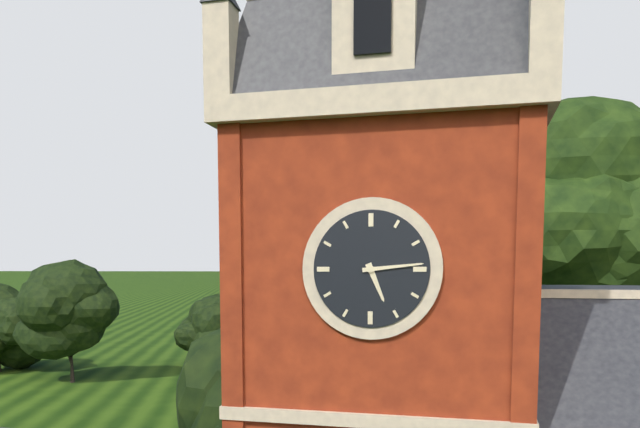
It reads **5:14**
